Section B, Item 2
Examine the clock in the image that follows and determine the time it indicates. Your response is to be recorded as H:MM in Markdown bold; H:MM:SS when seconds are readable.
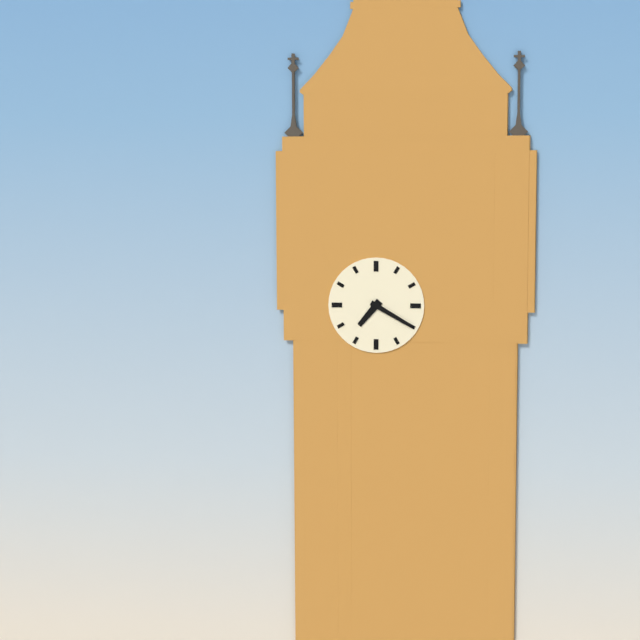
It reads **7:20**
